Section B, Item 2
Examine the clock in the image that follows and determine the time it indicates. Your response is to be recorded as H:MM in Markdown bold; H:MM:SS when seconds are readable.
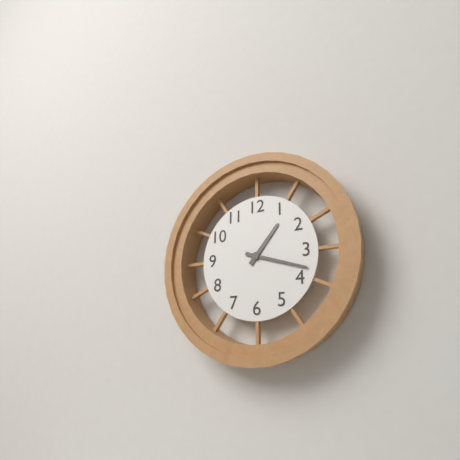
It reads **1:18**
